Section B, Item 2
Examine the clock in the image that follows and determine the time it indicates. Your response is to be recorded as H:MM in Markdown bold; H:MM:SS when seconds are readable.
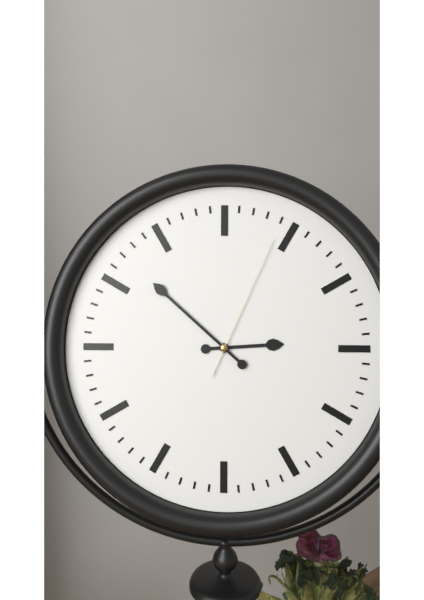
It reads **2:52:04**
